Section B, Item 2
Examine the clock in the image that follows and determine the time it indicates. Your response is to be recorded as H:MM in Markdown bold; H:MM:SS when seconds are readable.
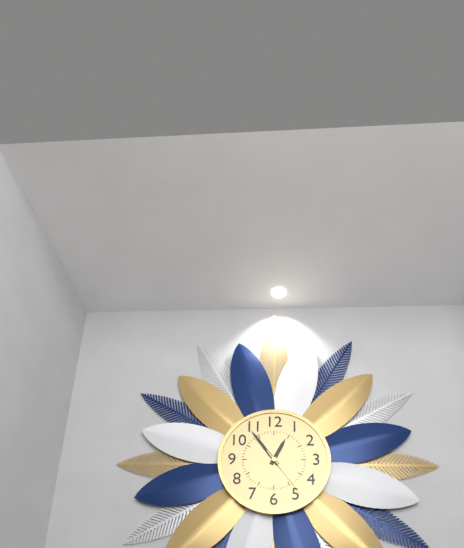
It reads **12:54**
